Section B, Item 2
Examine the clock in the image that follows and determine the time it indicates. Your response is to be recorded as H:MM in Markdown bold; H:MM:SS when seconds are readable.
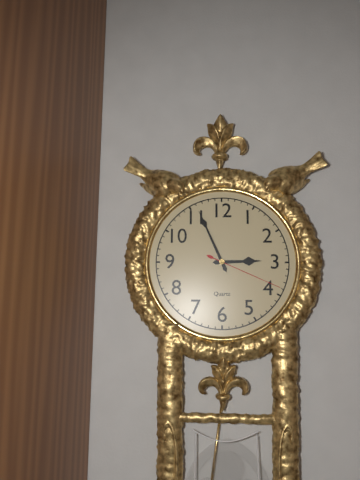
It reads **2:56:19**
